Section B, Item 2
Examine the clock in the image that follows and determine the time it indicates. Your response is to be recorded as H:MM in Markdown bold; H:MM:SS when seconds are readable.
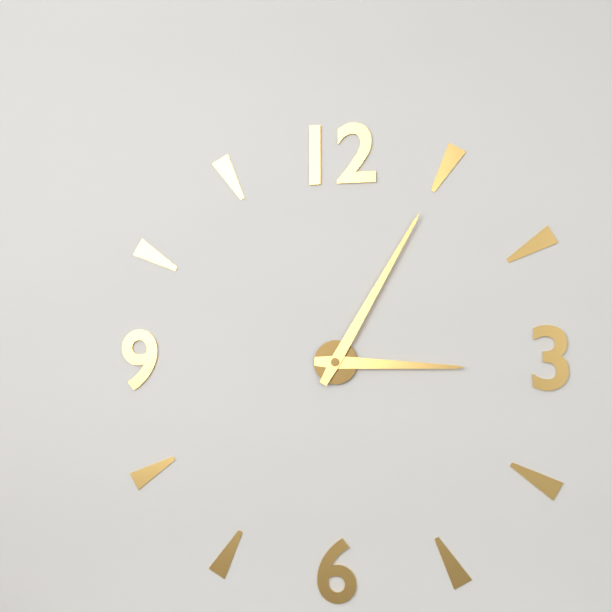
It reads **3:05**
